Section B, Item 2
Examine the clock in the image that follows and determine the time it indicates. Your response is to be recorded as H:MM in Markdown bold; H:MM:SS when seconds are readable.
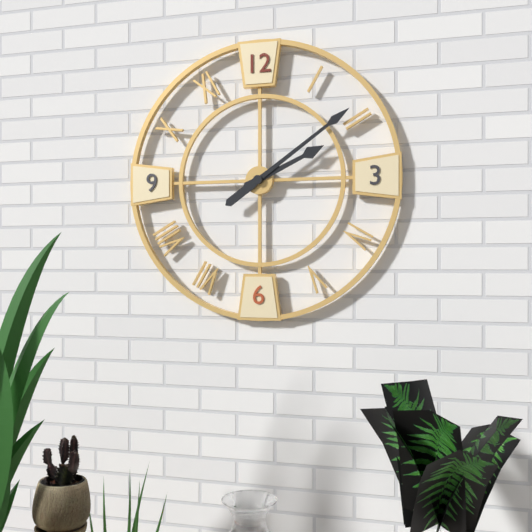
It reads **2:09**
